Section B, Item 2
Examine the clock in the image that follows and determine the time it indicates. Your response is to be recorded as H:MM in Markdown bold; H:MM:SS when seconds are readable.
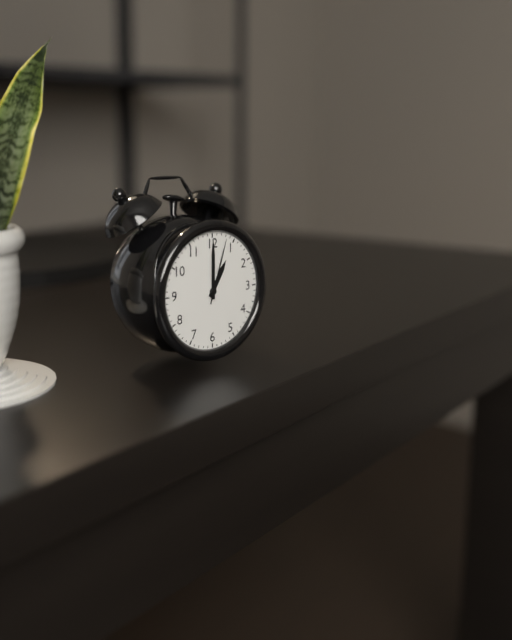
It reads **1:00:03**
